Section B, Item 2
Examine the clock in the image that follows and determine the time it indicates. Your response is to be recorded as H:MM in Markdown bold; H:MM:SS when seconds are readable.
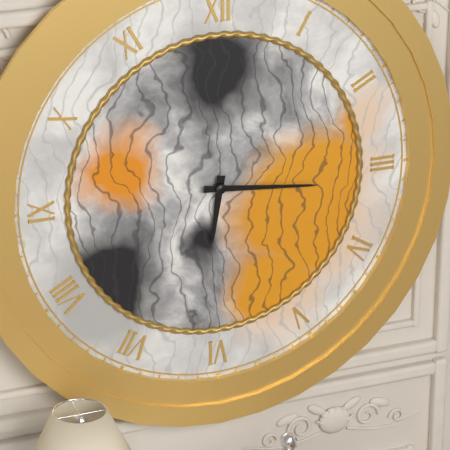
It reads **6:16**
